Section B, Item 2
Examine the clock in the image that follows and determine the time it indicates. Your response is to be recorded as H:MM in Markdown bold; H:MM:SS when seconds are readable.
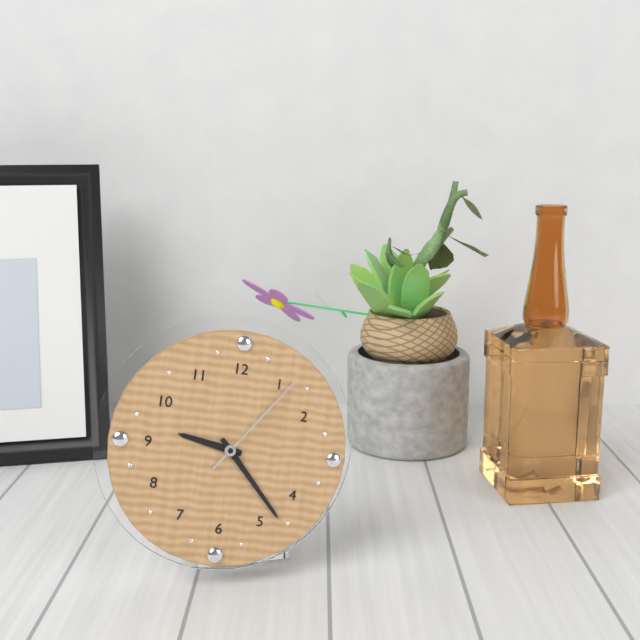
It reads **9:23:06**
